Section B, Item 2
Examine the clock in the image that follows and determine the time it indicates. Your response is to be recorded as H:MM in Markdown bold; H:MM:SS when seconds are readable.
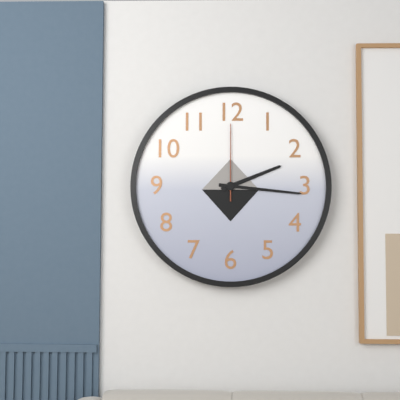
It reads **2:16:00**
